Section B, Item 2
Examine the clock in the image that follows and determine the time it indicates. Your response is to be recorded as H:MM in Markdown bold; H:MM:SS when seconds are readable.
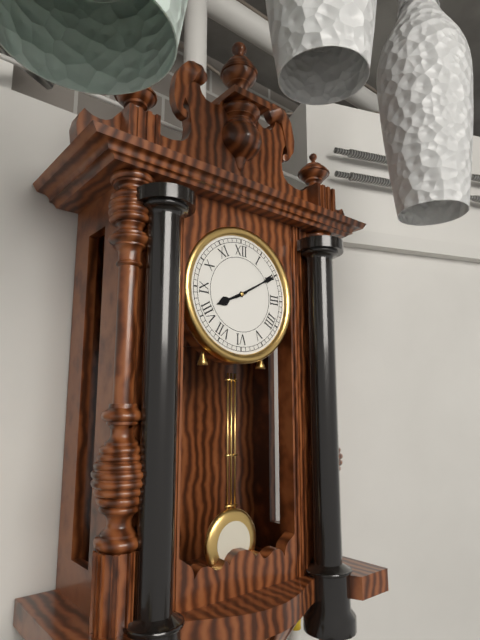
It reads **8:10**
